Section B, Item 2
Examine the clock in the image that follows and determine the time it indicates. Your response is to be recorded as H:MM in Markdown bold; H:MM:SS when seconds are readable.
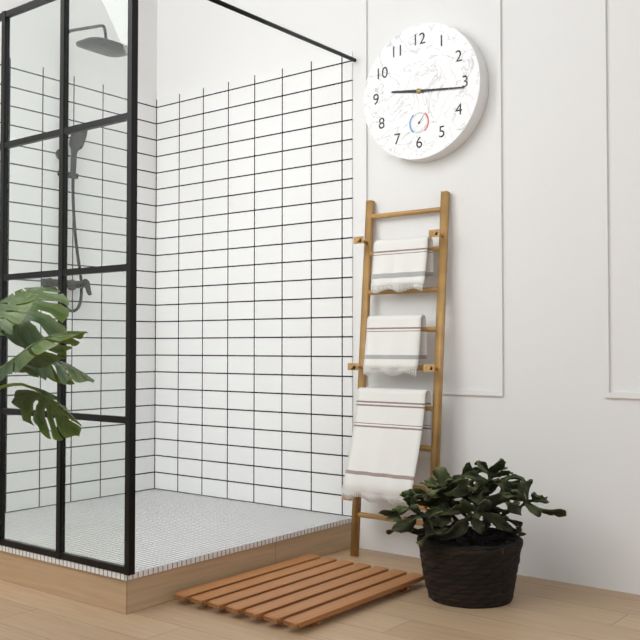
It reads **9:16**
